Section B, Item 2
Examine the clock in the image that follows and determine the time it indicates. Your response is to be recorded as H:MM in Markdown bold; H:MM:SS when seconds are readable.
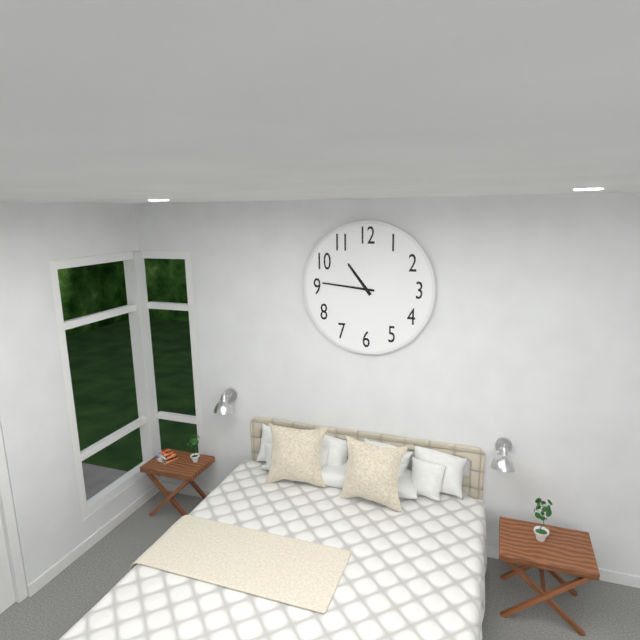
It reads **10:46**
